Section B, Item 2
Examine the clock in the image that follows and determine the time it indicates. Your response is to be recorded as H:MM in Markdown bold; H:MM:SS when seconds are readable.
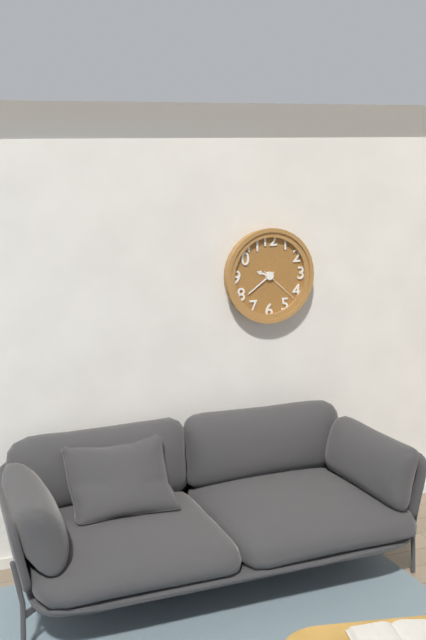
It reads **9:39**
